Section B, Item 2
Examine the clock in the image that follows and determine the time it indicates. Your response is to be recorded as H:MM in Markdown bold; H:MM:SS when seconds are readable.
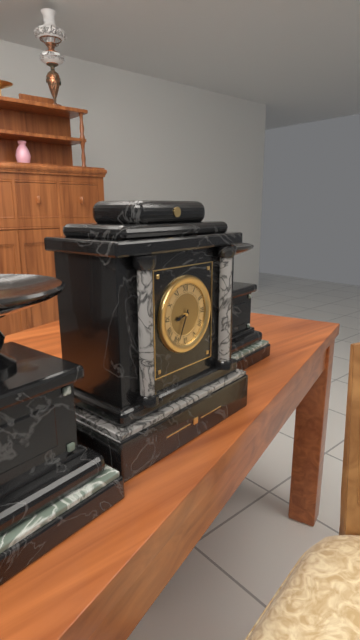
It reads **8:34**
